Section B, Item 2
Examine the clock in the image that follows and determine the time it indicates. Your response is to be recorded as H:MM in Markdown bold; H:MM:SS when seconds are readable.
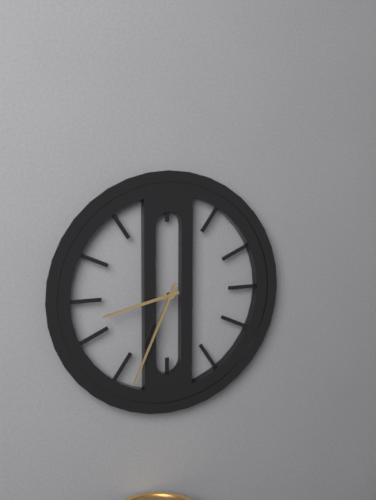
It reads **8:34**
